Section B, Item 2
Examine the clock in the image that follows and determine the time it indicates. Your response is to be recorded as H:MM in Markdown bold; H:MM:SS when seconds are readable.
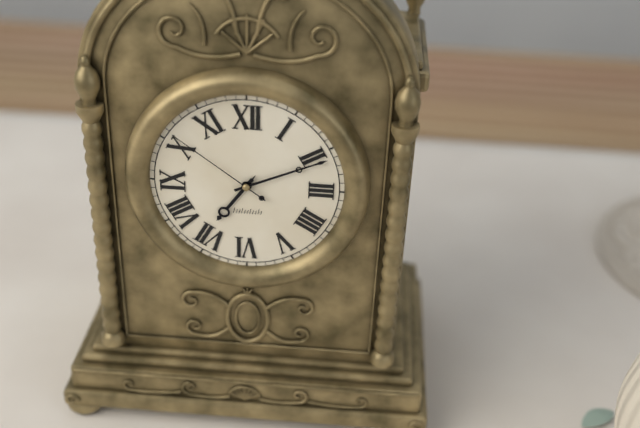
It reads **7:11:51**
